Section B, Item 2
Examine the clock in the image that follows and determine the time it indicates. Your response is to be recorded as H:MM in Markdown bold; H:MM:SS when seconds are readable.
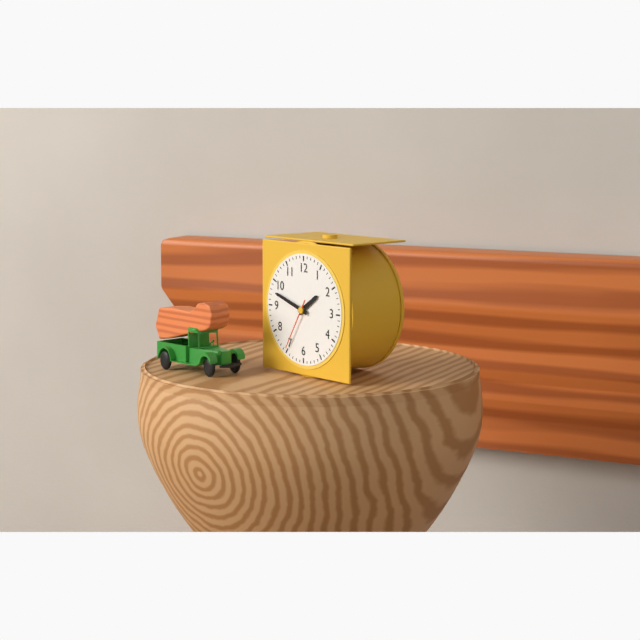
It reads **1:48:35**
